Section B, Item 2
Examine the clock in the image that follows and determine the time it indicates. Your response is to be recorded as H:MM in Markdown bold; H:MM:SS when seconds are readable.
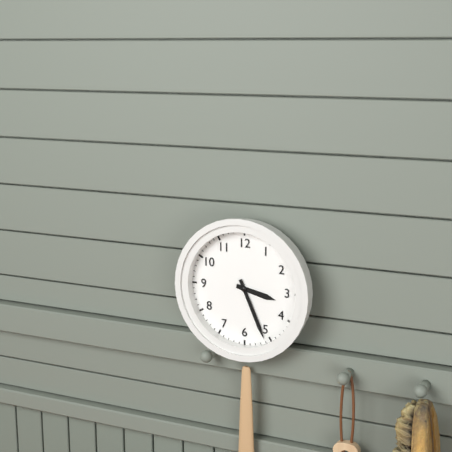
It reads **3:26**
